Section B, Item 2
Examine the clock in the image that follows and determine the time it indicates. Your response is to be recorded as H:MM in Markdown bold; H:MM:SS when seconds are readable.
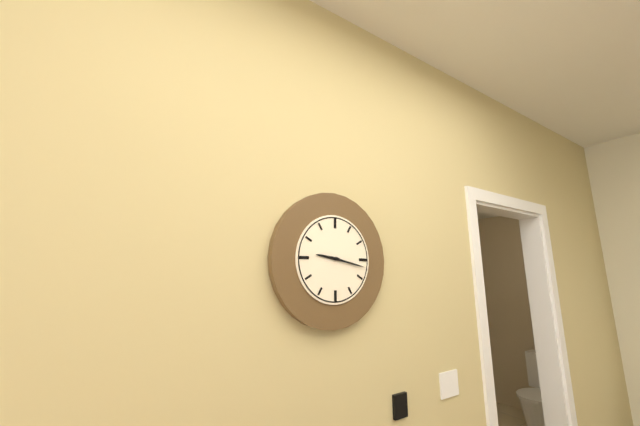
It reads **9:17**
